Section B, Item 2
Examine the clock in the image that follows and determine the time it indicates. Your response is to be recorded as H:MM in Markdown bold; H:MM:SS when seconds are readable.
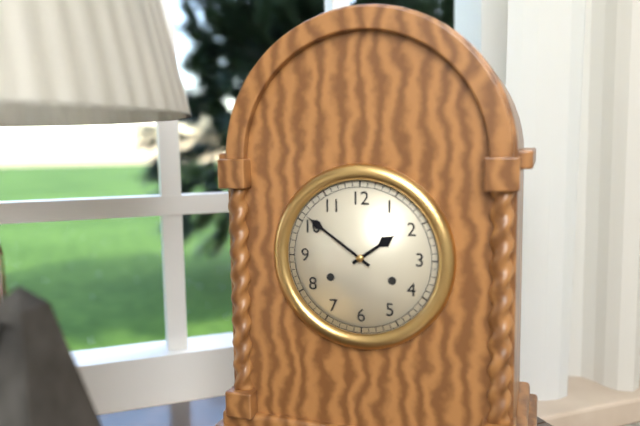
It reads **1:51**
